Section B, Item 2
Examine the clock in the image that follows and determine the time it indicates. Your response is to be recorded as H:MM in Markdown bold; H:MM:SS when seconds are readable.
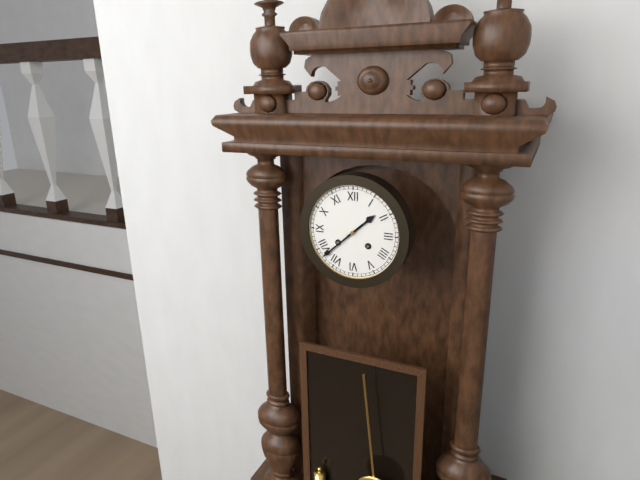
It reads **1:38**
